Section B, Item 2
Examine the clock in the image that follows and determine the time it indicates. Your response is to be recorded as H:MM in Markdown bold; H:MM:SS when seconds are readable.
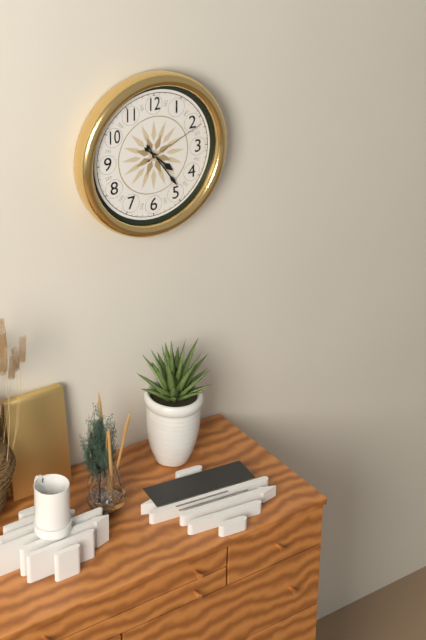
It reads **4:24:11**
